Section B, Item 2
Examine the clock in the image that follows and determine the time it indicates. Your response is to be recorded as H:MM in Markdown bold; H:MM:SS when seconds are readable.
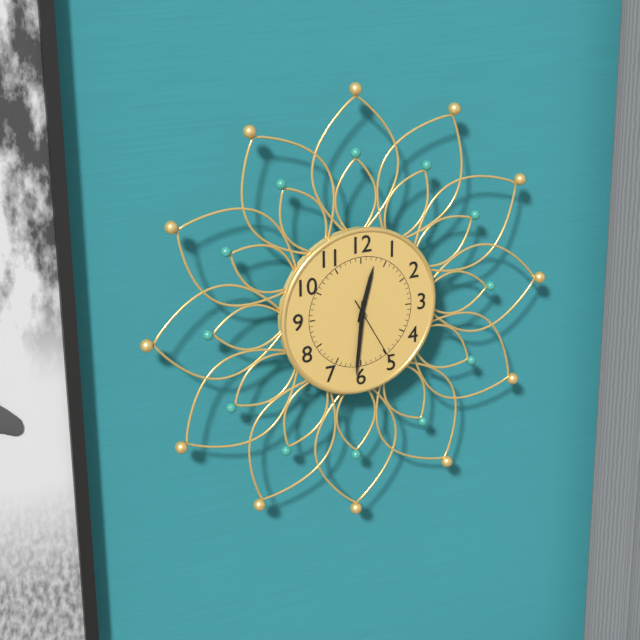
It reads **12:31:25**
